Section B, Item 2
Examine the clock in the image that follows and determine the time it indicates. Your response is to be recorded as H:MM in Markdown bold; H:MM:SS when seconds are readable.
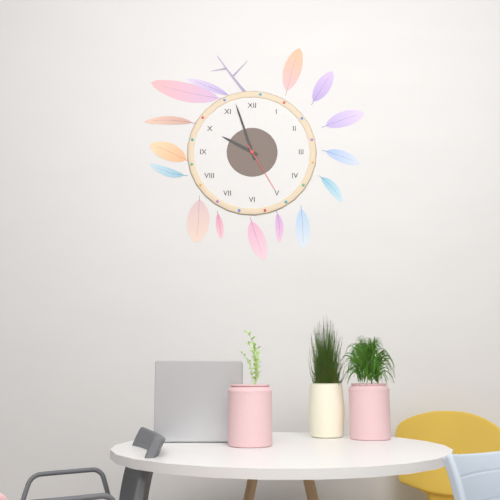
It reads **9:57:25**
